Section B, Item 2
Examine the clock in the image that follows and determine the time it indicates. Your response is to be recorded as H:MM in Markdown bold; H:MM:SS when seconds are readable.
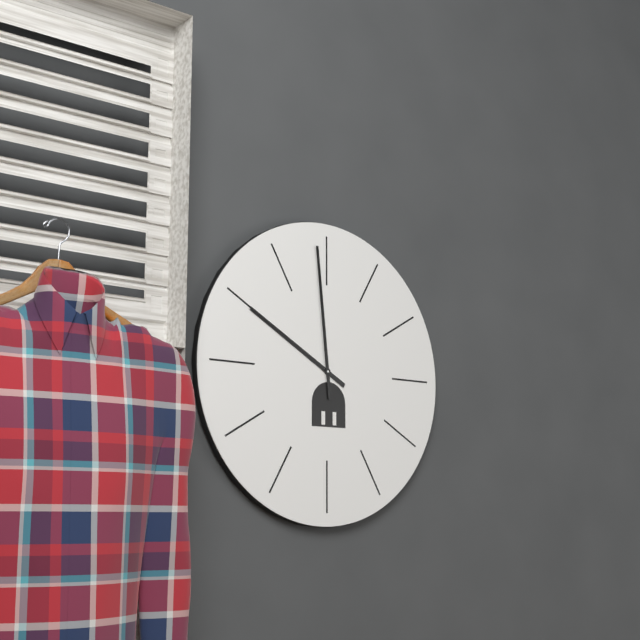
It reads **9:59**
